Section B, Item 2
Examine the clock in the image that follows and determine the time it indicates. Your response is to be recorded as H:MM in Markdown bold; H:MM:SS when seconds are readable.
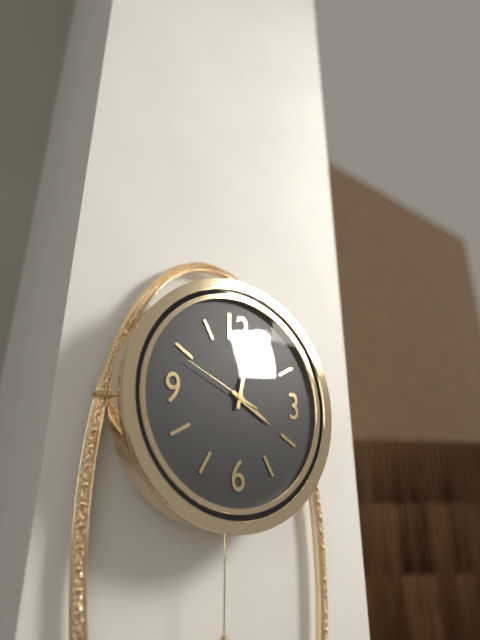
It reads **4:02:49**
